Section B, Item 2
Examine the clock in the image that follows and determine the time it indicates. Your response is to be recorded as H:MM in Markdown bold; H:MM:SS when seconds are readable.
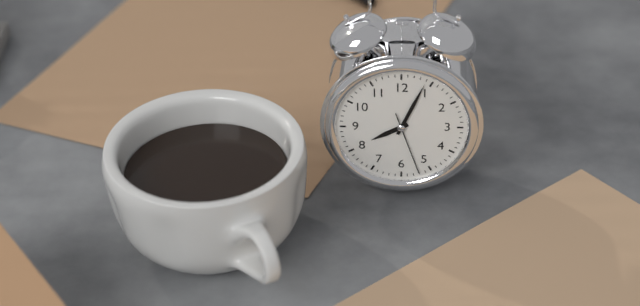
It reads **8:04:27**
